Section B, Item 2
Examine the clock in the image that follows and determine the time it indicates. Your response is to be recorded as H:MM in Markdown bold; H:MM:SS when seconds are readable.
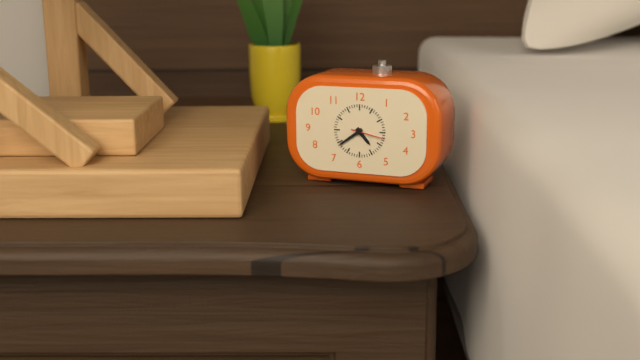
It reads **4:39**
